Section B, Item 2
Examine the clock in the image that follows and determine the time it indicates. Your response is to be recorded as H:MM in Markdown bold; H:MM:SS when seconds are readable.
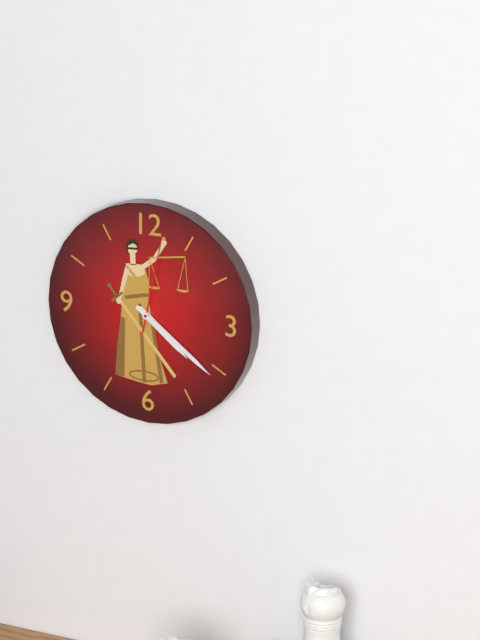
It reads **4:21:02**
